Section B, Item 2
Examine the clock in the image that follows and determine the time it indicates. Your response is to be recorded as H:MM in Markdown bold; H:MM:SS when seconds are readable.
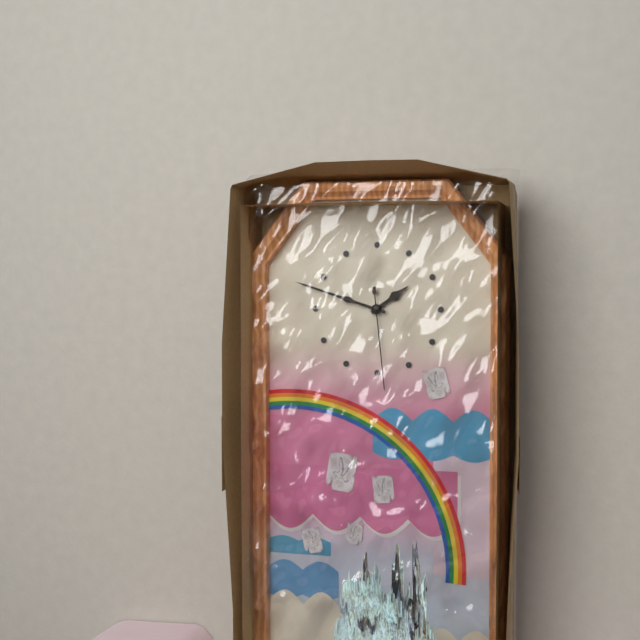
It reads **1:48:29**
